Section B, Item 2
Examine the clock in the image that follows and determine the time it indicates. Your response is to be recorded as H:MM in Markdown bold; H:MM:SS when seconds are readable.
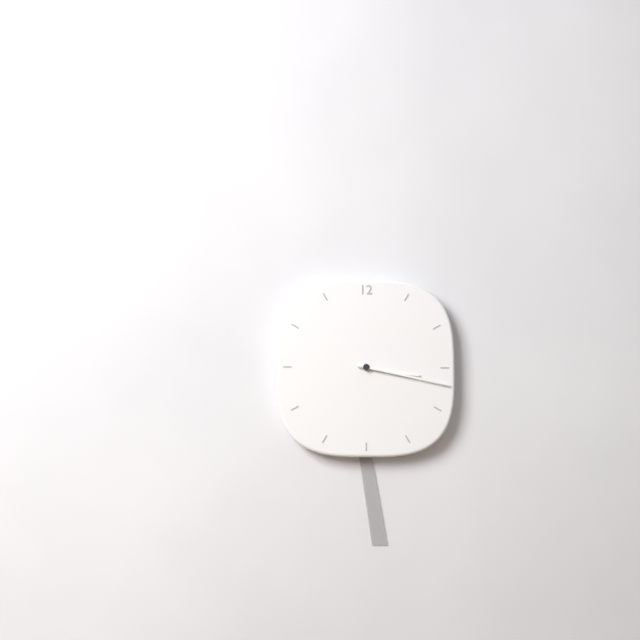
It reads **3:17**
